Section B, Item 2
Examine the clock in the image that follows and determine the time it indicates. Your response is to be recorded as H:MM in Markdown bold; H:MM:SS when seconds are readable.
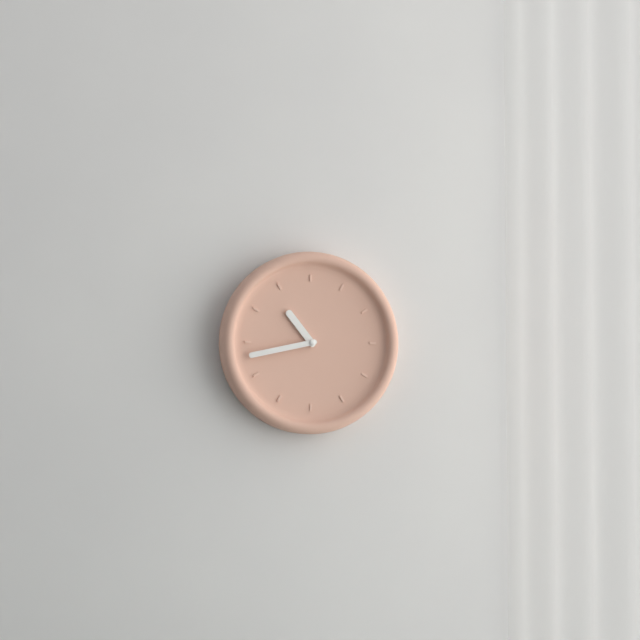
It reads **10:43**
